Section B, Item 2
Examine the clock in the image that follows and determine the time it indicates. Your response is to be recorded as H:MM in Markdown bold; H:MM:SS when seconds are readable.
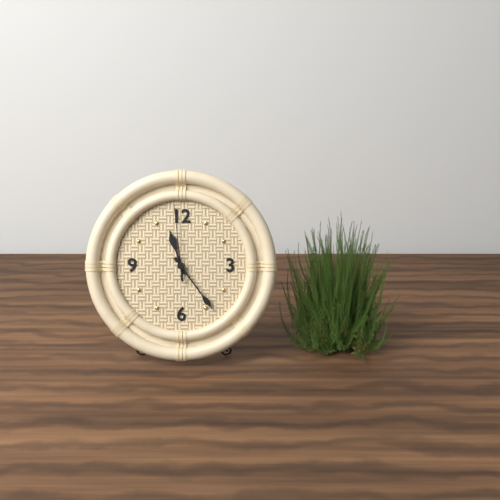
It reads **11:24:59**
